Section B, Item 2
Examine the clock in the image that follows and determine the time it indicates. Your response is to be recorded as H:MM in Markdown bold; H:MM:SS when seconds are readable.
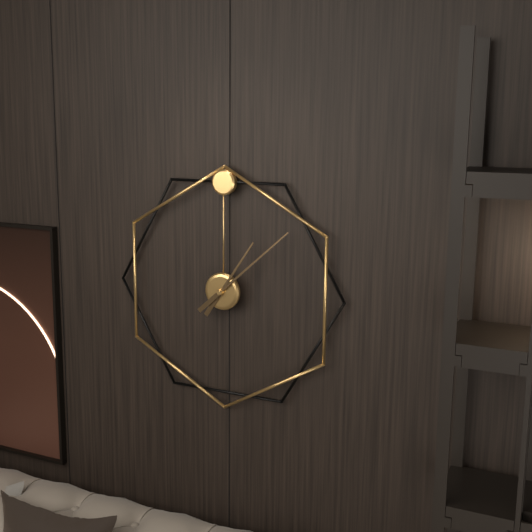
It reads **1:08**
